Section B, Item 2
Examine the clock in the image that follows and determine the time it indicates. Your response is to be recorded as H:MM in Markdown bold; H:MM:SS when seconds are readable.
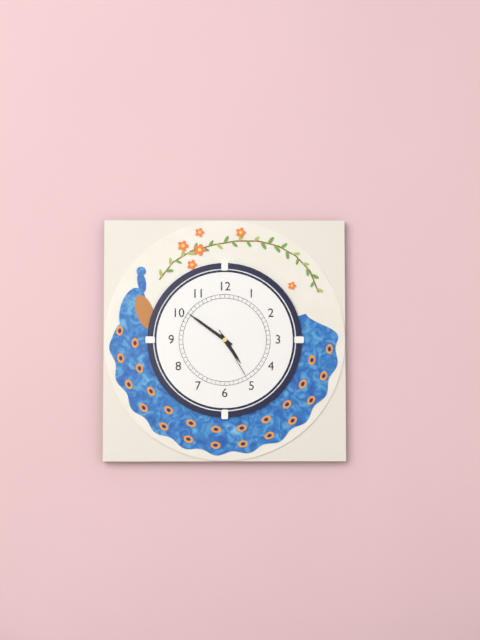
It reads **4:51:25**
